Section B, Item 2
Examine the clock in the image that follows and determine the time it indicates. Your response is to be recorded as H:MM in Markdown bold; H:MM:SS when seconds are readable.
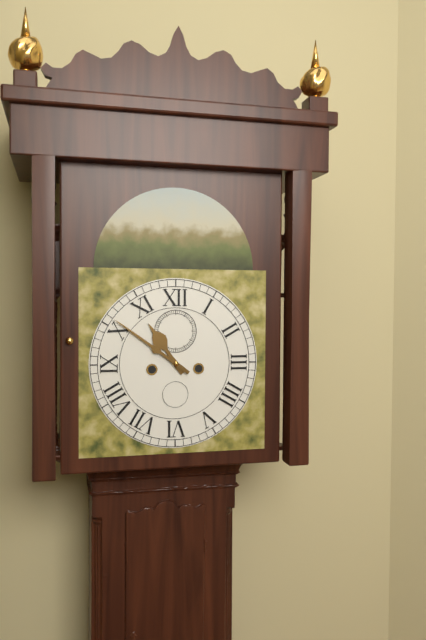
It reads **10:51**
